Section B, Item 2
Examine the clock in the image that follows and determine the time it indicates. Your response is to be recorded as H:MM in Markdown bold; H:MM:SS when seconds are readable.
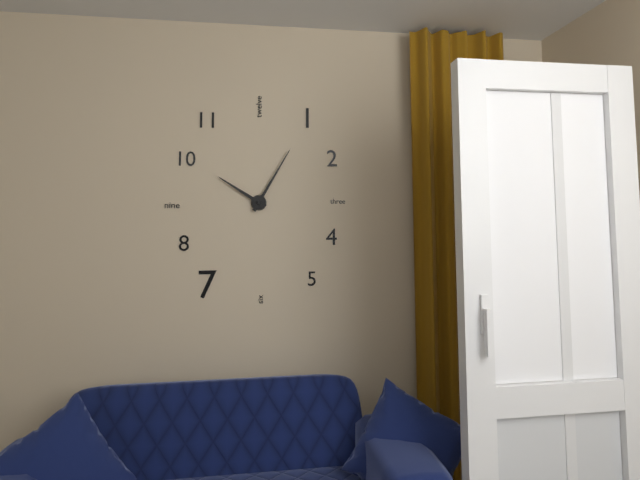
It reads **10:05**
